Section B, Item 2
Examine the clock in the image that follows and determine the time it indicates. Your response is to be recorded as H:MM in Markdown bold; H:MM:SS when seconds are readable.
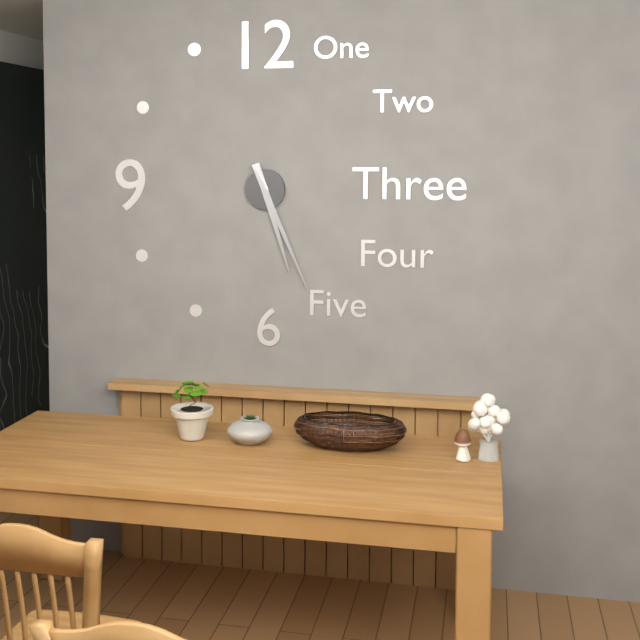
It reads **5:26**
